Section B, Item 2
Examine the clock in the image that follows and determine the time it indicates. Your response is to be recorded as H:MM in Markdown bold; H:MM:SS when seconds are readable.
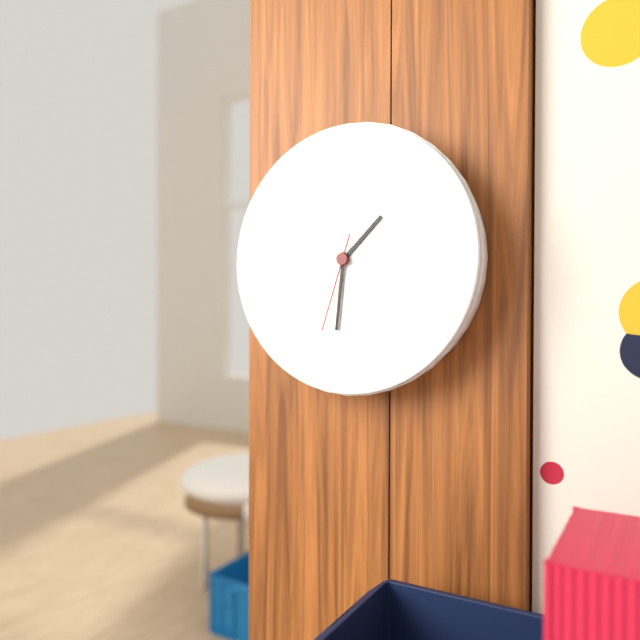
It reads **1:31:33**
